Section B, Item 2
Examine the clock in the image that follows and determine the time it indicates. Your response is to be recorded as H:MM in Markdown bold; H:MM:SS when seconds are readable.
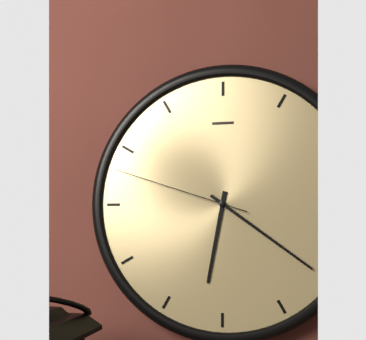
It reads **6:21:48**
